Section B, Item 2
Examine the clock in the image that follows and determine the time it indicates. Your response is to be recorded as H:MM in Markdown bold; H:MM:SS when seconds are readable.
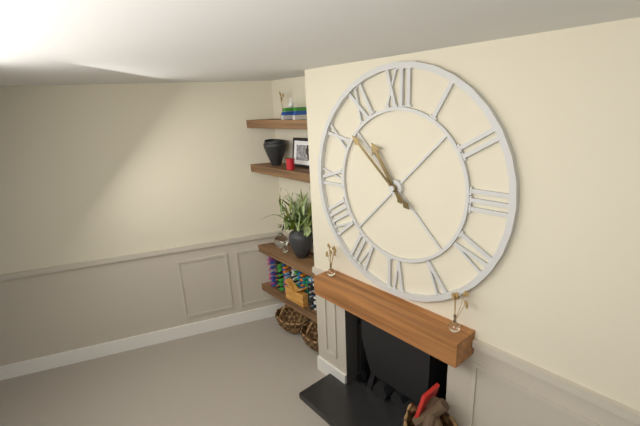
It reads **10:52**
